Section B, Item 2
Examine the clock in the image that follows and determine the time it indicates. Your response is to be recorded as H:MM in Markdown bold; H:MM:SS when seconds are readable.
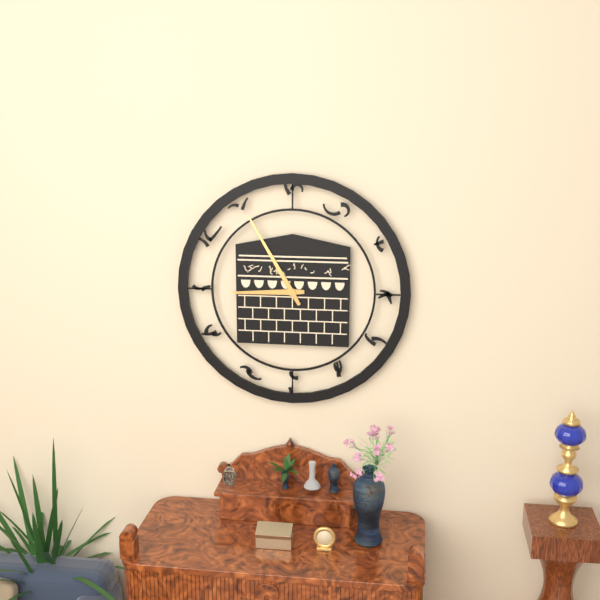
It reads **8:55**
